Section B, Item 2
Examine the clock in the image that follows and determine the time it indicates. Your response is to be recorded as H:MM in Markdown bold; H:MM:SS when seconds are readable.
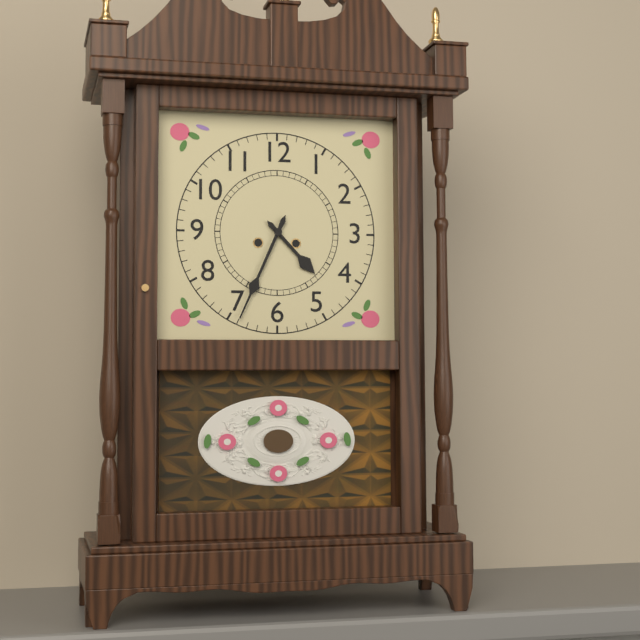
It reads **4:34**
